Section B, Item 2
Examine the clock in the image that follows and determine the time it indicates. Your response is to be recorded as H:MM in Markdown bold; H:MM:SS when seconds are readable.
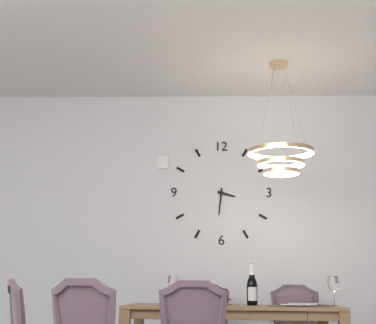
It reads **3:31**
